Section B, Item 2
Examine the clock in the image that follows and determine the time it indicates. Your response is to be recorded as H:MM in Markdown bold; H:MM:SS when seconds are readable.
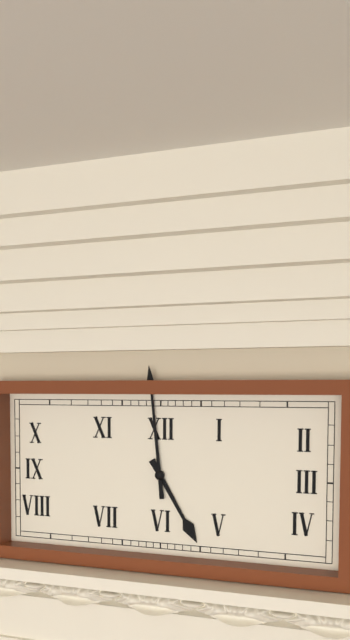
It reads **4:59**
